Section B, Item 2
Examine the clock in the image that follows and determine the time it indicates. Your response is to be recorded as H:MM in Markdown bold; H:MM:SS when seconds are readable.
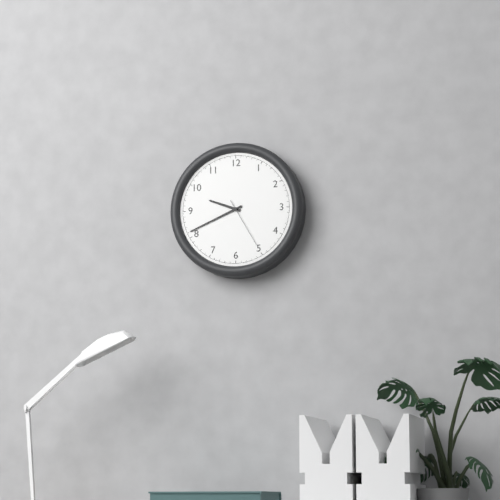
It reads **9:41:25**
